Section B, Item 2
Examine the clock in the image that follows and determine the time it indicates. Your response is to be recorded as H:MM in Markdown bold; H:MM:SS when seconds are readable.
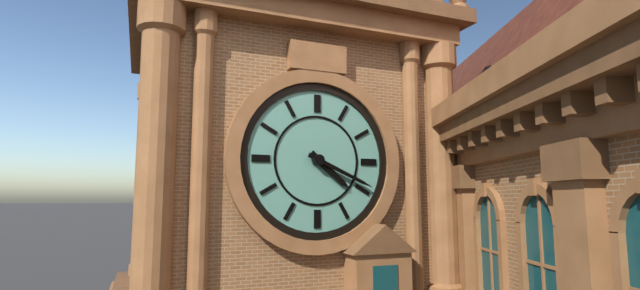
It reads **4:19**
